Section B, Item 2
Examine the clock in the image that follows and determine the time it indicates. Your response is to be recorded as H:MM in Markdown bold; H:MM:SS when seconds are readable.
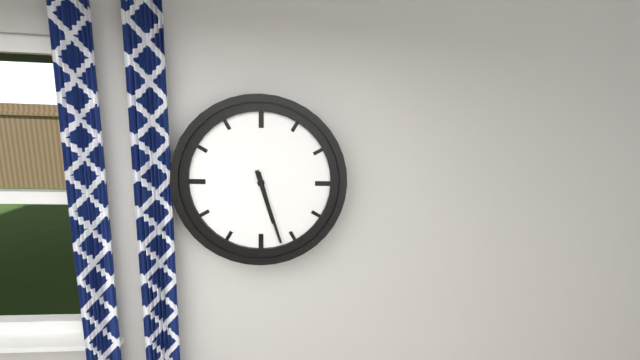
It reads **5:27**
